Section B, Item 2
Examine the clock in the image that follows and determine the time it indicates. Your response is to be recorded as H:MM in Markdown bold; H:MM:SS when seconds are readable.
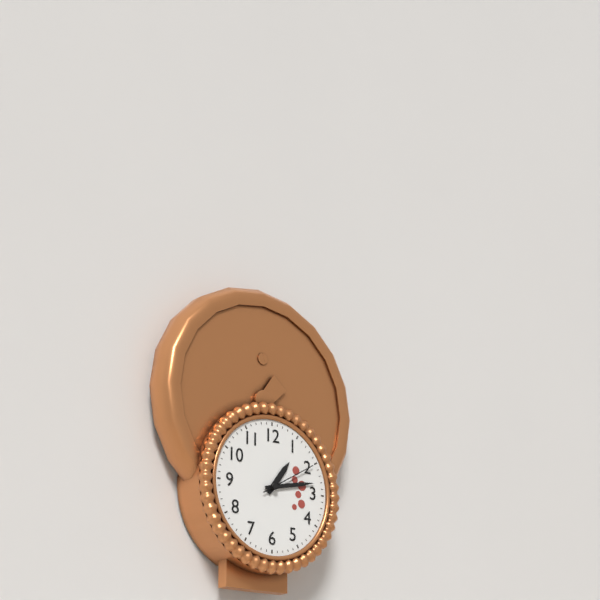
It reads **1:13:10**
